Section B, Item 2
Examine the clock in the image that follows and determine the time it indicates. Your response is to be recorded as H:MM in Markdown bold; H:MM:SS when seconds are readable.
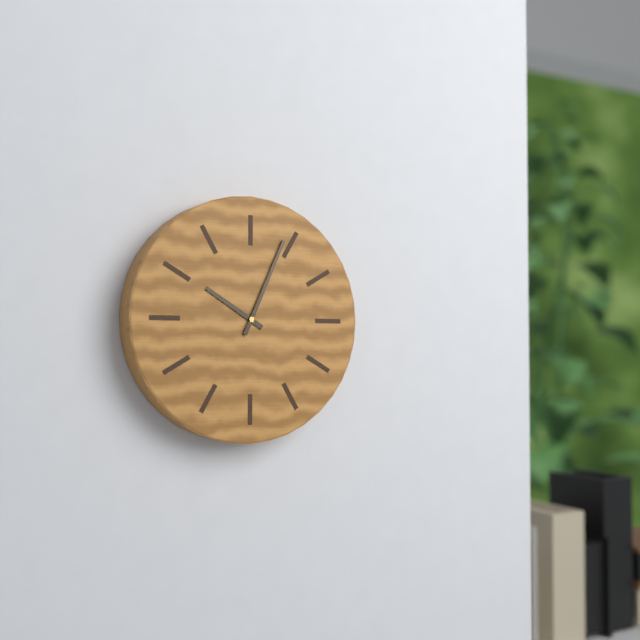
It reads **10:04**
